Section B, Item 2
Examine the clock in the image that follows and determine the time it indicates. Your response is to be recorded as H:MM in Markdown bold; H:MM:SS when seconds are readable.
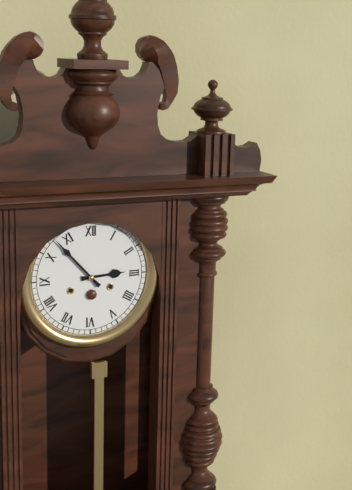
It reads **2:53**
